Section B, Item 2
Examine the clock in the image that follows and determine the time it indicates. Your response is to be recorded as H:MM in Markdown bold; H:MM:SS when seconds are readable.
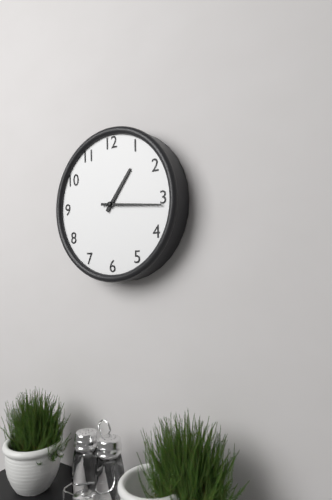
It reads **1:16**
